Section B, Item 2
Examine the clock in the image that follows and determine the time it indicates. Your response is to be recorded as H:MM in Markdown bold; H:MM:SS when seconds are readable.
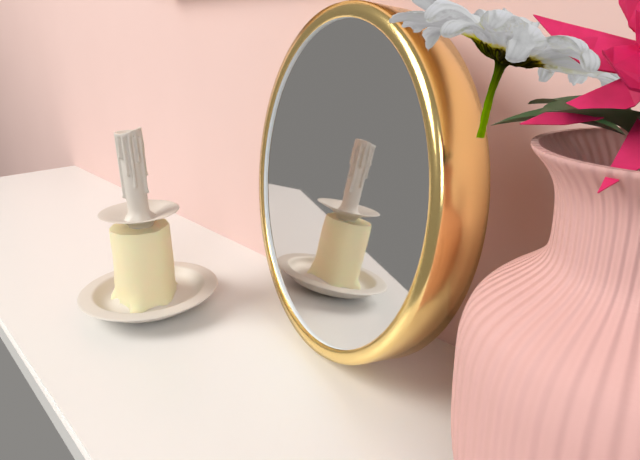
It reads **5:20:20**
